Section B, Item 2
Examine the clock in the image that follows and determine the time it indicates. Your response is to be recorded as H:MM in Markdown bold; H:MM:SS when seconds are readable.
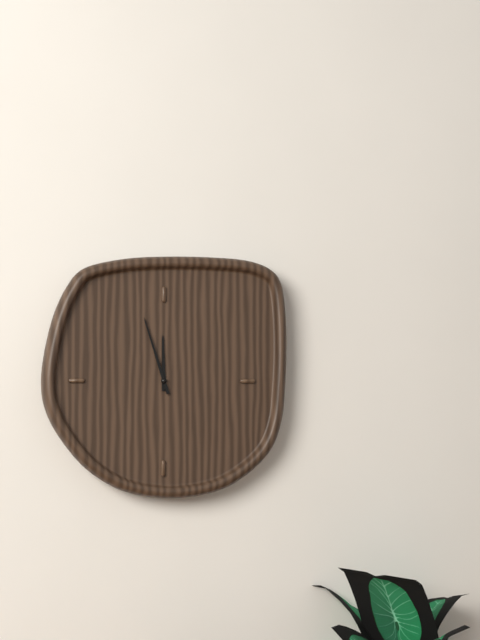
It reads **11:57**
